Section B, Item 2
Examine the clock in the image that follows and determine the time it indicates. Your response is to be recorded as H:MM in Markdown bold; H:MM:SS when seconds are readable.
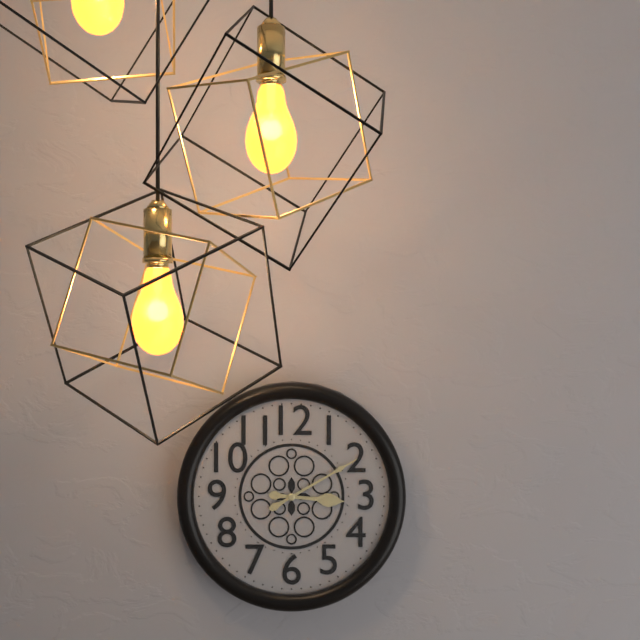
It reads **3:10**
